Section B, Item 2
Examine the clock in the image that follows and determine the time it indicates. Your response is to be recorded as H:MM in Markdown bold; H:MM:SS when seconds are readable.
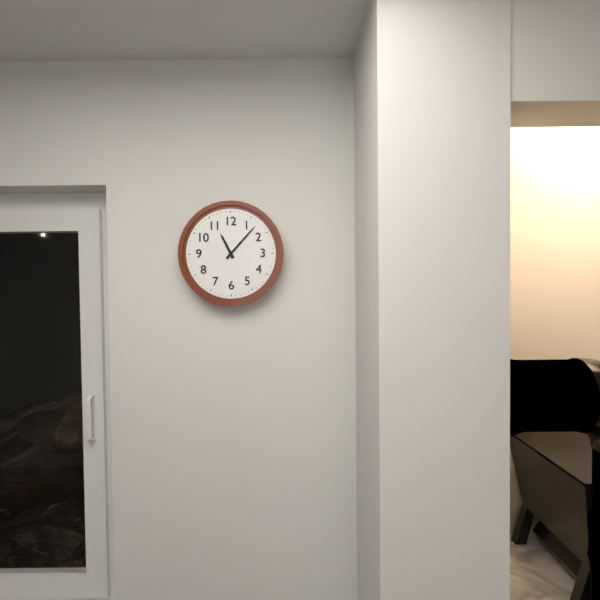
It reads **11:07**
